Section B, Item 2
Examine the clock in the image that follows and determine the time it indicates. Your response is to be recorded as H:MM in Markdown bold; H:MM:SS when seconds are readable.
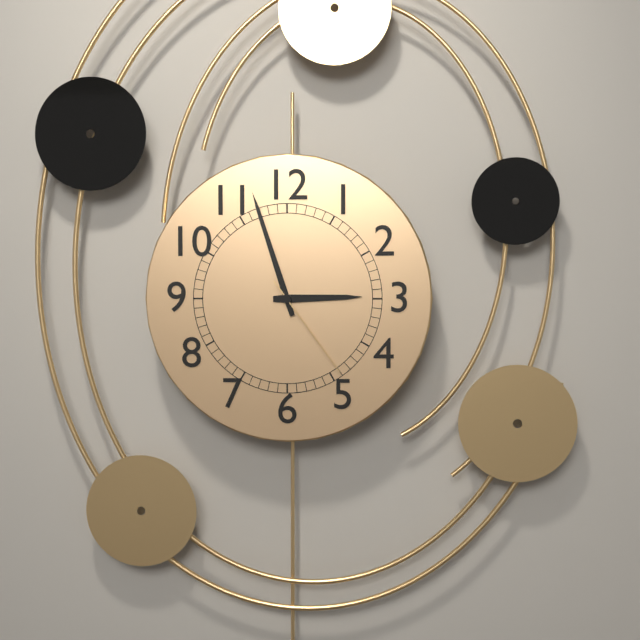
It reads **2:57:24**
